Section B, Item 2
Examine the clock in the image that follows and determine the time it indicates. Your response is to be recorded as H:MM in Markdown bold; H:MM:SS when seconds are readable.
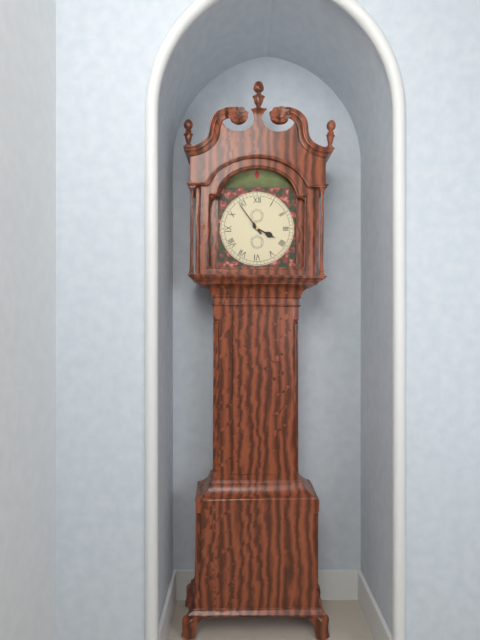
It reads **3:54**
